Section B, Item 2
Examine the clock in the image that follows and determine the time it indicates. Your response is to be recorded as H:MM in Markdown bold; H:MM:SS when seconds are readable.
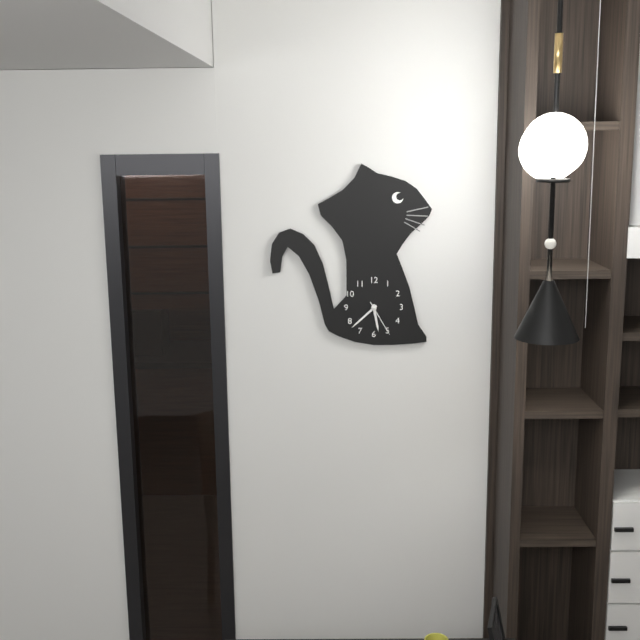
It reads **5:38**
